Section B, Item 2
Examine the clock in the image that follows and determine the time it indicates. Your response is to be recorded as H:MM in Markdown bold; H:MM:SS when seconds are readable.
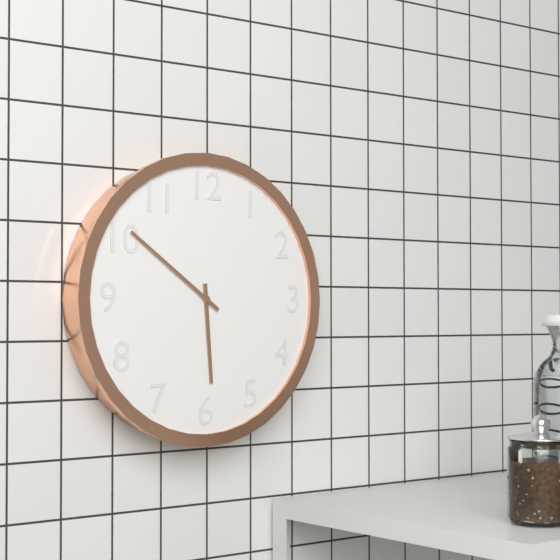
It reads **5:51**
